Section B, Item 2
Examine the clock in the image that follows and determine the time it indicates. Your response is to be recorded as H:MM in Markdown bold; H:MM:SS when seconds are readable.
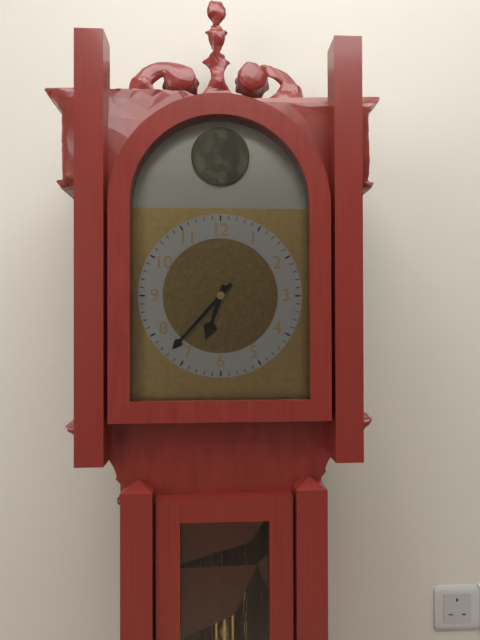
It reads **6:37**
